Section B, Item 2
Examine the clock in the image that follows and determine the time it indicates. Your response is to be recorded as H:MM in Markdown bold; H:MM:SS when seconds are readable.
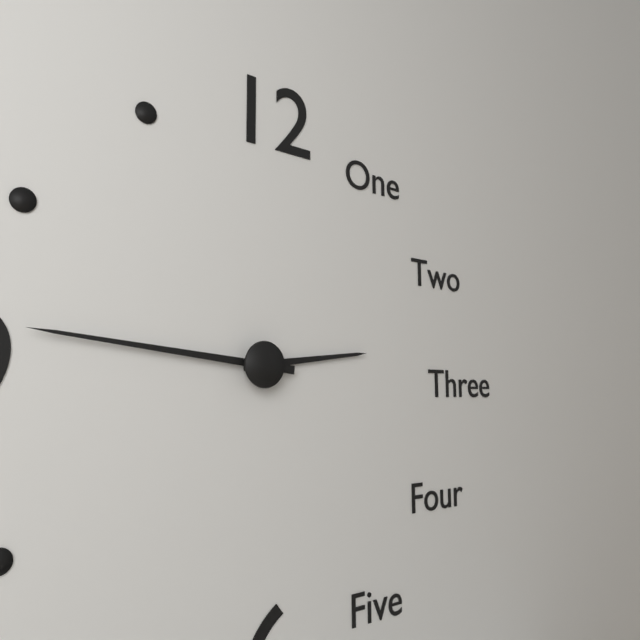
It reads **2:46**
